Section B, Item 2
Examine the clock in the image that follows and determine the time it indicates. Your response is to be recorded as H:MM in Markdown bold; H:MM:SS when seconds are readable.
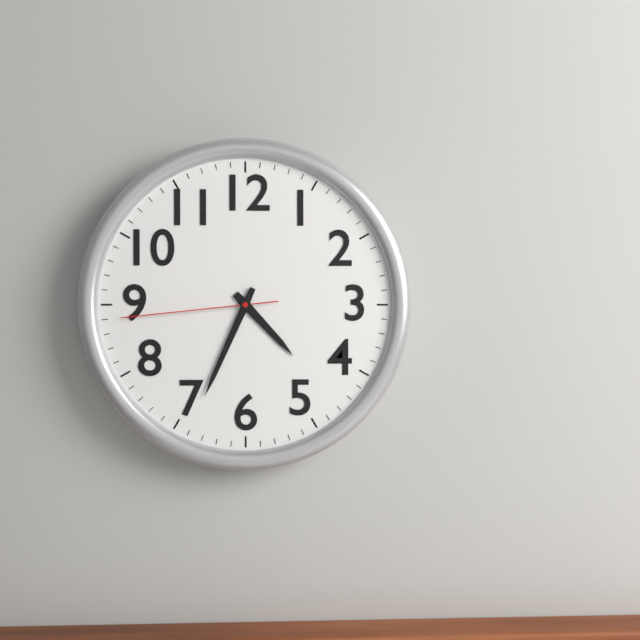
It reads **4:34:44**
